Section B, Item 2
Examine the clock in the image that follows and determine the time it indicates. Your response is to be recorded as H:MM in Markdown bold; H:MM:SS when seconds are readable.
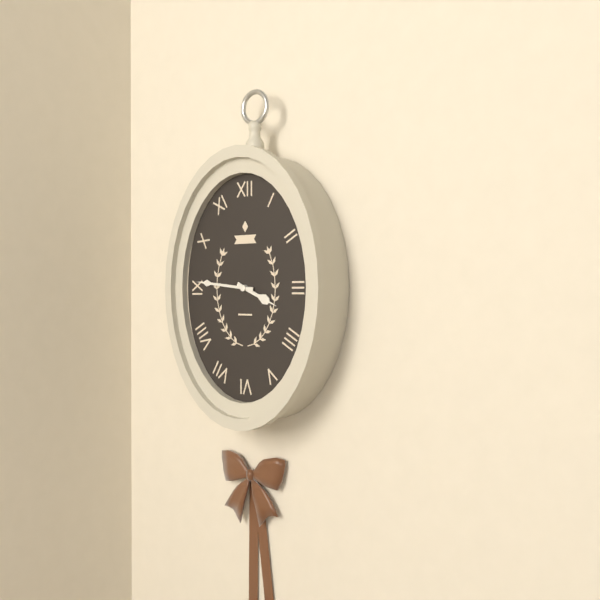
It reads **3:46**
